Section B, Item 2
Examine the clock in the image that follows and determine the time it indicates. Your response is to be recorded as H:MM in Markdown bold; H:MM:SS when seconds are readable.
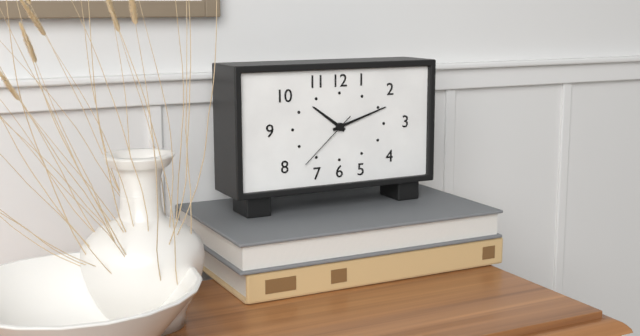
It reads **10:12:38**
